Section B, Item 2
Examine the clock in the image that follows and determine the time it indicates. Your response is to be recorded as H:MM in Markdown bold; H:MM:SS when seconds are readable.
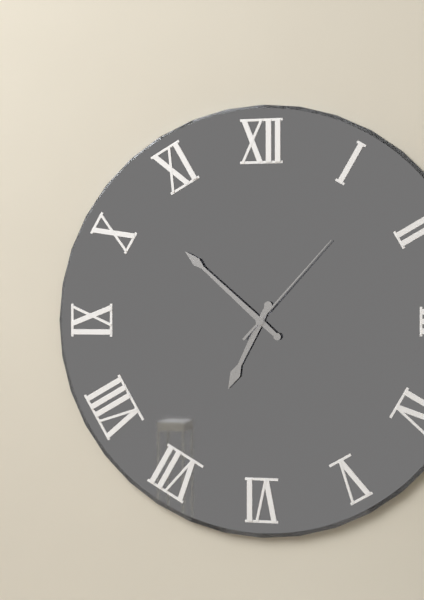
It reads **6:52:07**
